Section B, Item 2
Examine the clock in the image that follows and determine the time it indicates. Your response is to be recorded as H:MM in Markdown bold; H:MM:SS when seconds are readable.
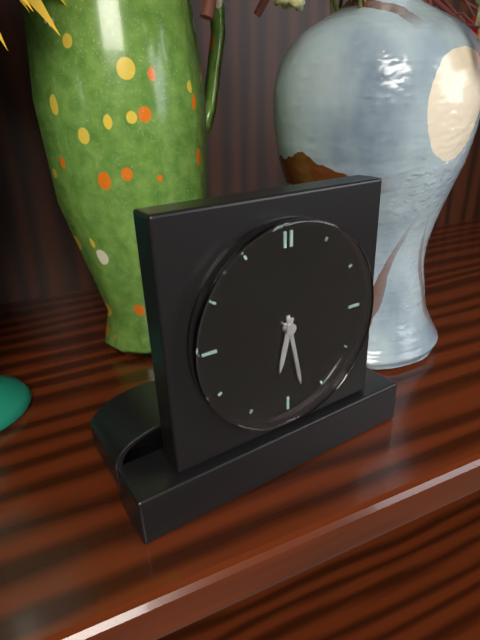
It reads **6:28**
